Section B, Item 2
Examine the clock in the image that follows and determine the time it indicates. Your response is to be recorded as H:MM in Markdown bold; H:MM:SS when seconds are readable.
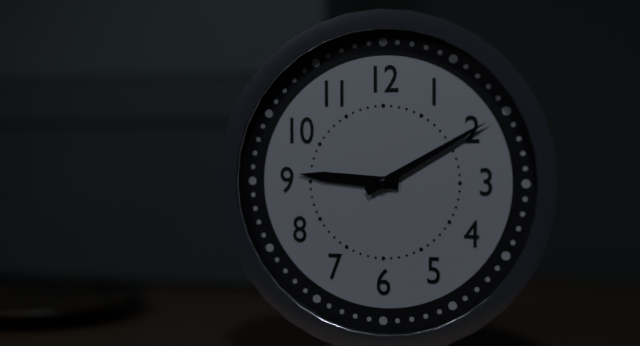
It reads **9:10**
